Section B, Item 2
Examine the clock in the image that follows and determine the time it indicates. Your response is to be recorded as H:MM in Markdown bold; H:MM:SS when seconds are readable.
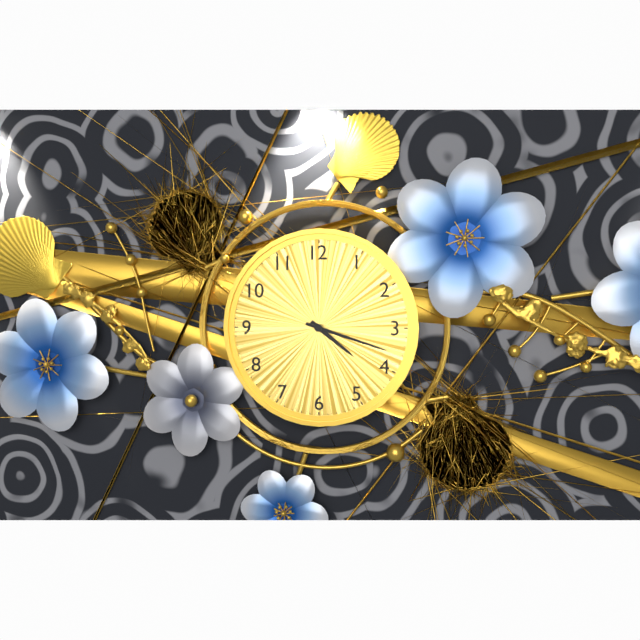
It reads **4:18**
